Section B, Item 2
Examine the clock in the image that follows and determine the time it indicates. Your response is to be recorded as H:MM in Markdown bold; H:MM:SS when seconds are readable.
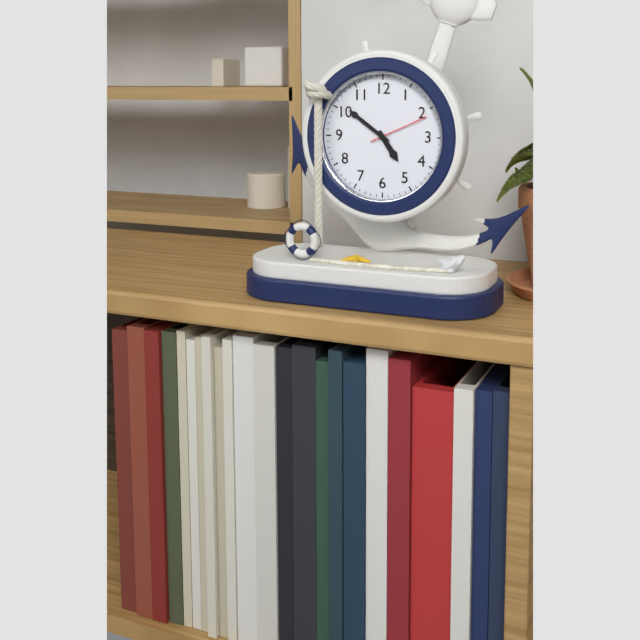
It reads **4:51:11**
